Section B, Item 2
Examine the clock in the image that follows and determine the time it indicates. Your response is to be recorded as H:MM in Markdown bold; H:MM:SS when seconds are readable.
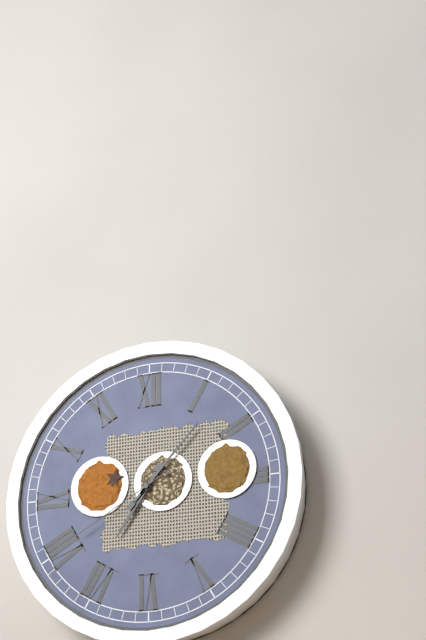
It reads **7:07:40**
